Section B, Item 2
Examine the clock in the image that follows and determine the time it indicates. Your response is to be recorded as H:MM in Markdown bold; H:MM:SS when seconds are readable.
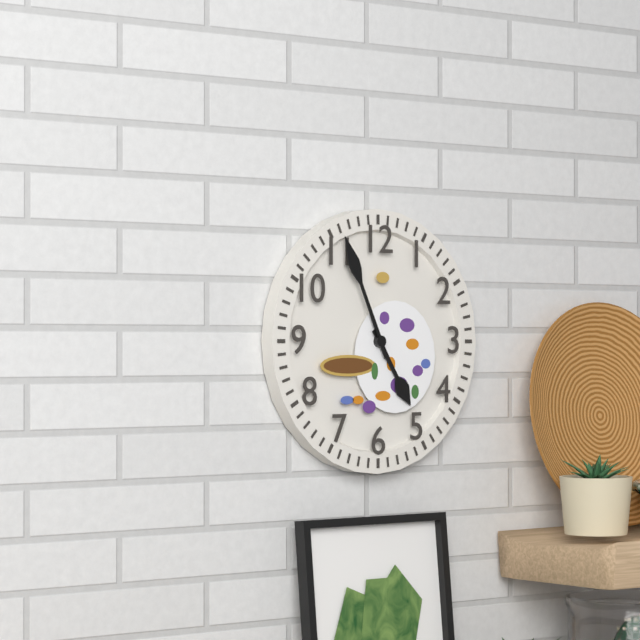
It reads **4:56**
